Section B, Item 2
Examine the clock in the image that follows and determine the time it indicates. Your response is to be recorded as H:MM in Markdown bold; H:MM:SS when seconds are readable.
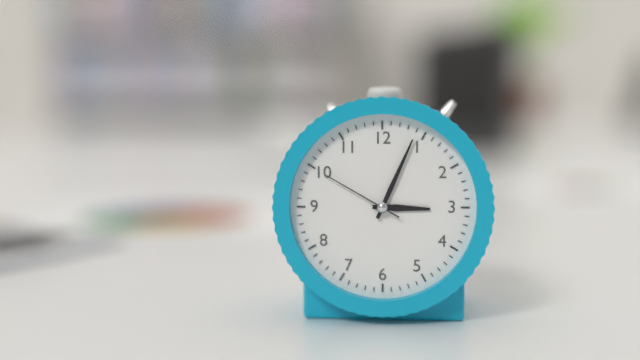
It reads **3:04:50**
